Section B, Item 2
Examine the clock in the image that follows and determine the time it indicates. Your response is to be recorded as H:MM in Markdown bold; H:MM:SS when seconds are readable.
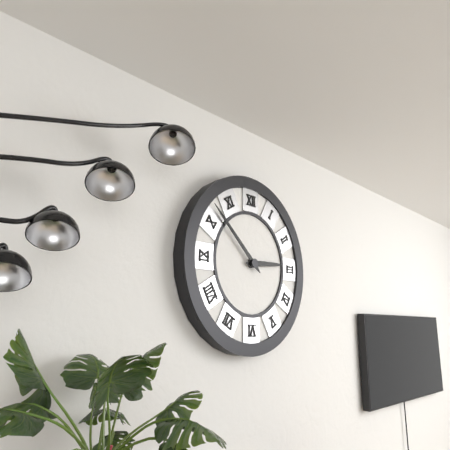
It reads **2:52**
